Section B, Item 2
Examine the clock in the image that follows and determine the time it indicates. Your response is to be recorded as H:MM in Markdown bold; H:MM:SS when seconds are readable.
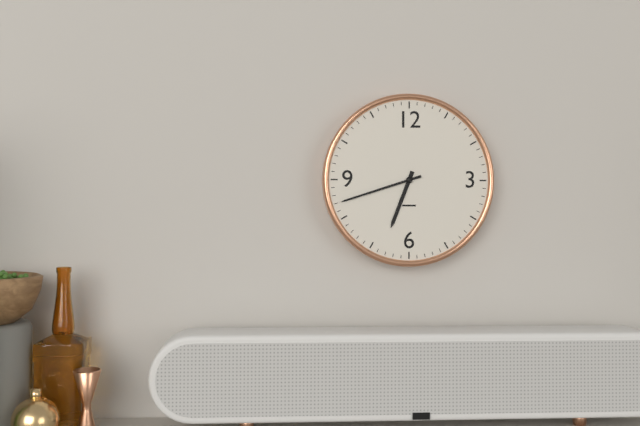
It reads **6:42**
